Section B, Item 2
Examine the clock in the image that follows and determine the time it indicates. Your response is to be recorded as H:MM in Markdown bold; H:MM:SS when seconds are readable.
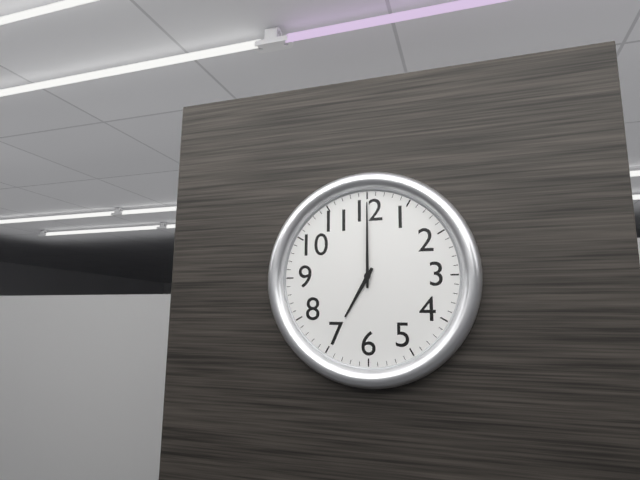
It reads **7:00**
